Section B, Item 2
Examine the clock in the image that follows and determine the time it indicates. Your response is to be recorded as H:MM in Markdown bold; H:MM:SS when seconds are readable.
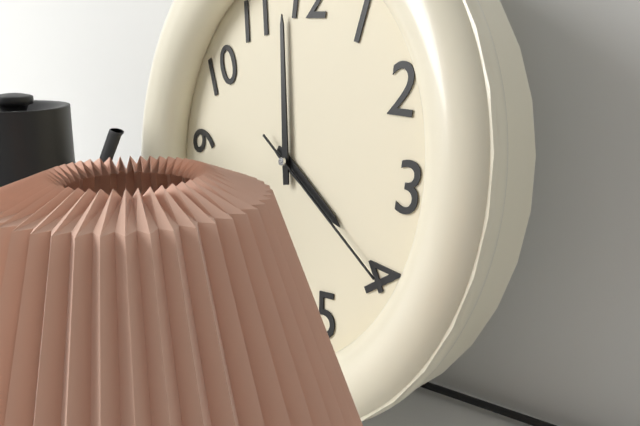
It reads **3:58:20**
